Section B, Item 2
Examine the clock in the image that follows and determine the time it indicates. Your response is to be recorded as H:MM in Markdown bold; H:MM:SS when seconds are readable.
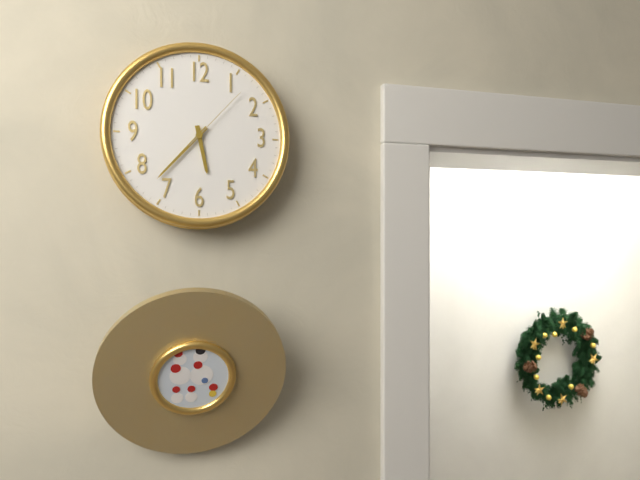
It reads **5:37:07**
